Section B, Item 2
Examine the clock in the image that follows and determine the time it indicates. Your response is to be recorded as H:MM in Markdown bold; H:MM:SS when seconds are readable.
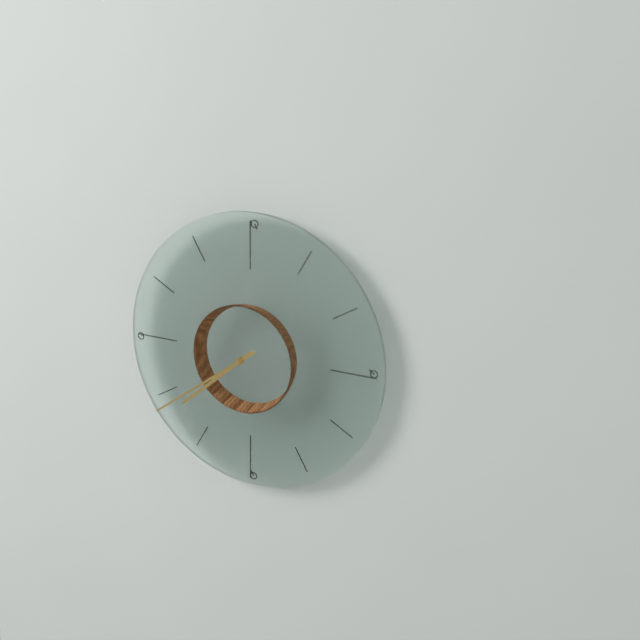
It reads **7:39**
